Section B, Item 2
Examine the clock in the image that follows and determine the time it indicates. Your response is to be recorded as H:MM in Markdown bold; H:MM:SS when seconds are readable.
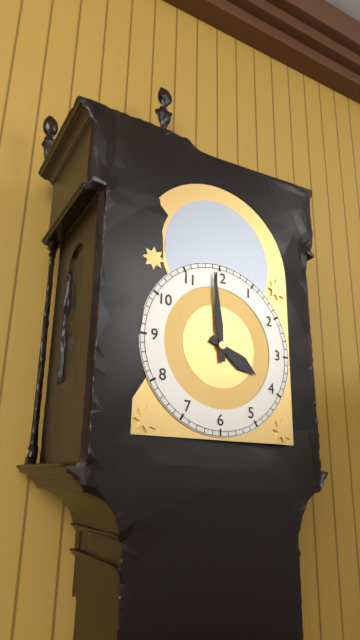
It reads **3:59**
